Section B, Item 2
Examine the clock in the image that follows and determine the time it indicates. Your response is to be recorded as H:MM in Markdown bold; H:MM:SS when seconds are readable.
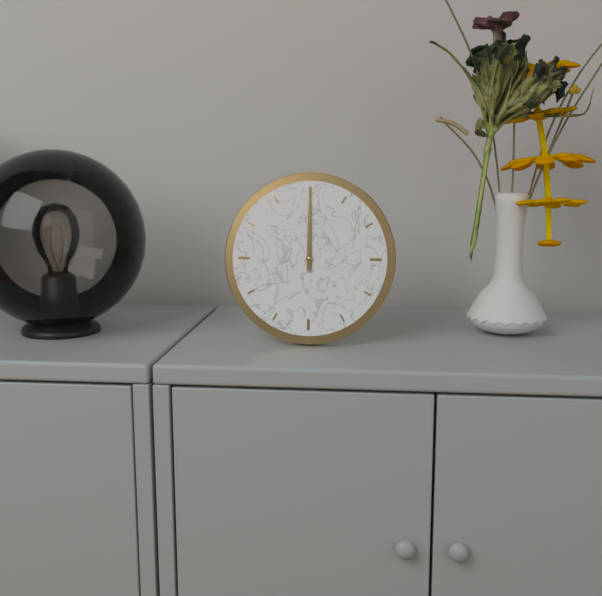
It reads **12:00**
